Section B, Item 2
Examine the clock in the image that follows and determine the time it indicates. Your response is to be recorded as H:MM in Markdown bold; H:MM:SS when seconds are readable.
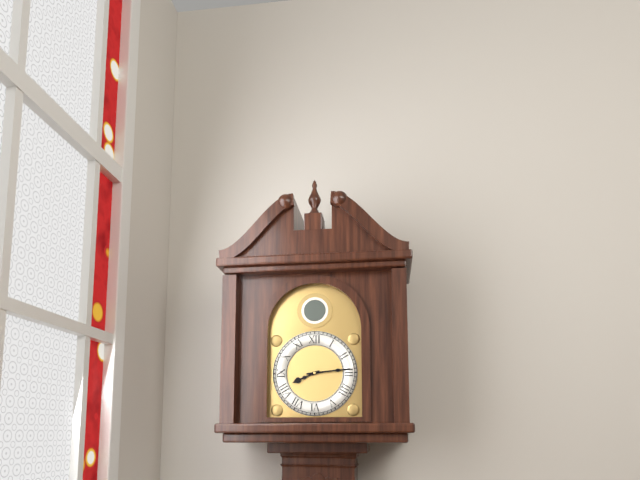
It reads **8:14**
